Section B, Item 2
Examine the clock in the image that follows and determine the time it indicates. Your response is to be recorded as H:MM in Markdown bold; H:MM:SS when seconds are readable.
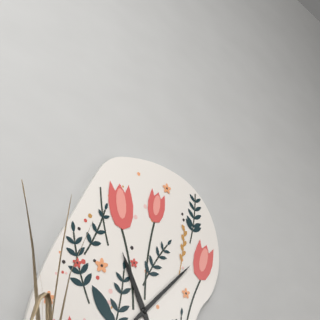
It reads **11:08**
